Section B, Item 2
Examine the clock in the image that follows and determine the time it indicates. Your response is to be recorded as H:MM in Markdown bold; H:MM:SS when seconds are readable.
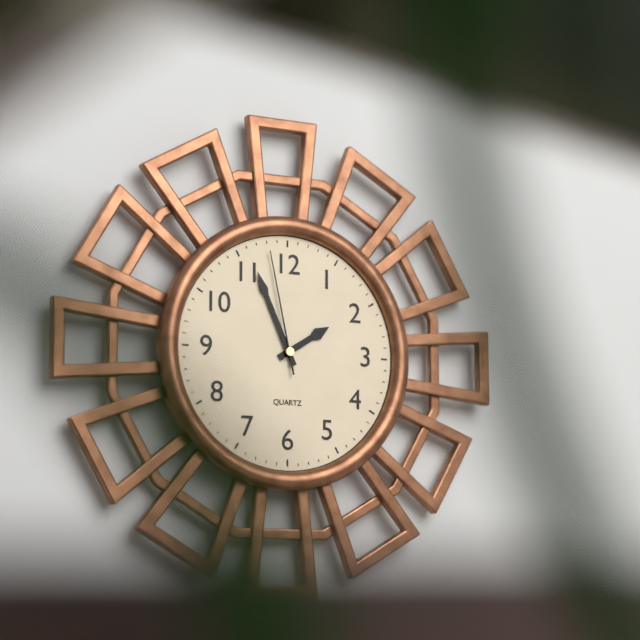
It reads **1:56:58**
